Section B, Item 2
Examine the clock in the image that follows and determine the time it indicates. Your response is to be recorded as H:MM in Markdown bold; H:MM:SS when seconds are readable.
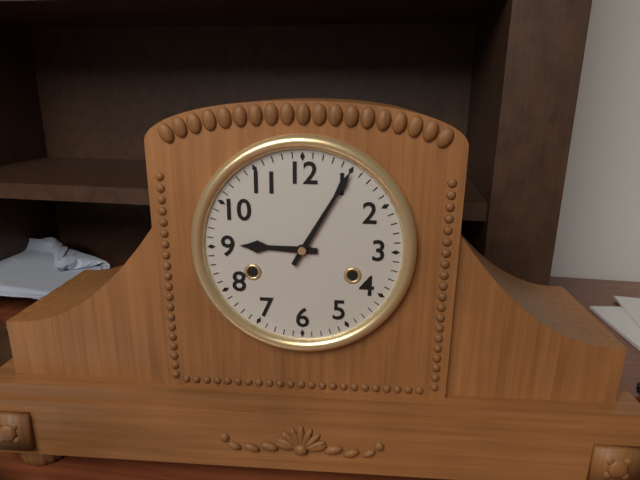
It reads **9:05**
